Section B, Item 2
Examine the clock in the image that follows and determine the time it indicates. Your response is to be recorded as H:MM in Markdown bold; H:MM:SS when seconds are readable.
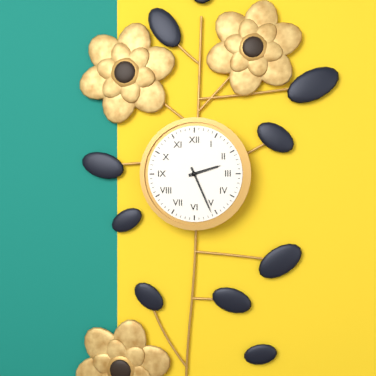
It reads **2:26**
